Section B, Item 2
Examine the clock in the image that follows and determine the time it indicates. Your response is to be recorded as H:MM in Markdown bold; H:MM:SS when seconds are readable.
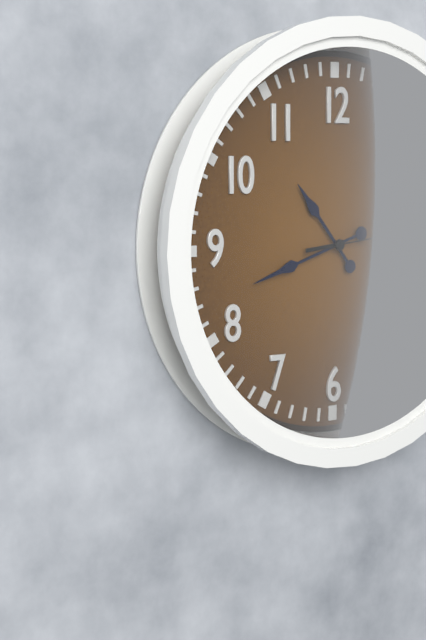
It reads **10:42:14**
